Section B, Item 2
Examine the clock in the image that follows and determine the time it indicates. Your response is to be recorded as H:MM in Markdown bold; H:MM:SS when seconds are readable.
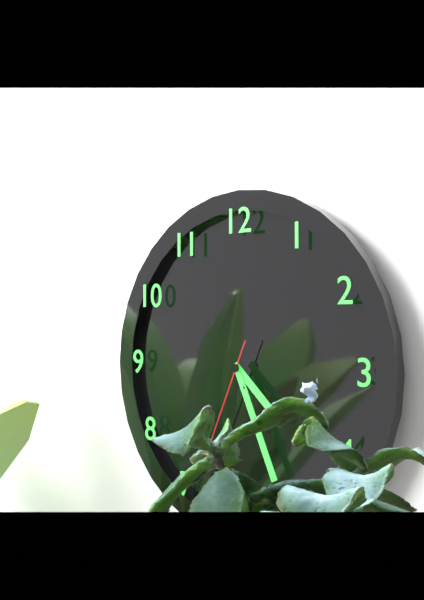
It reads **4:26**
